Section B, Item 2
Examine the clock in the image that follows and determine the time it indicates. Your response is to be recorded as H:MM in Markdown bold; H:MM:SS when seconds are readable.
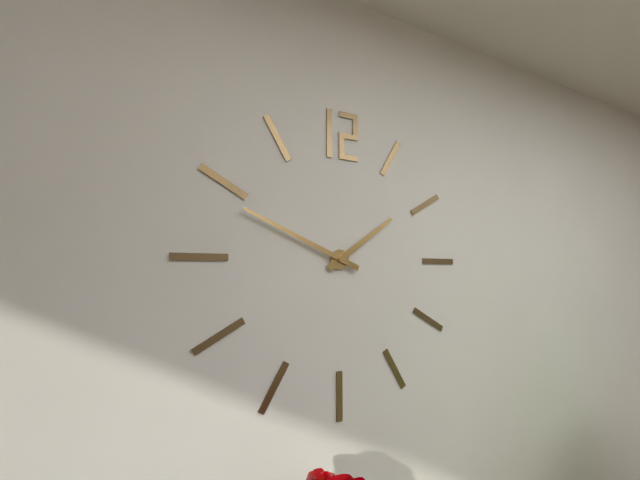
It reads **1:49**
